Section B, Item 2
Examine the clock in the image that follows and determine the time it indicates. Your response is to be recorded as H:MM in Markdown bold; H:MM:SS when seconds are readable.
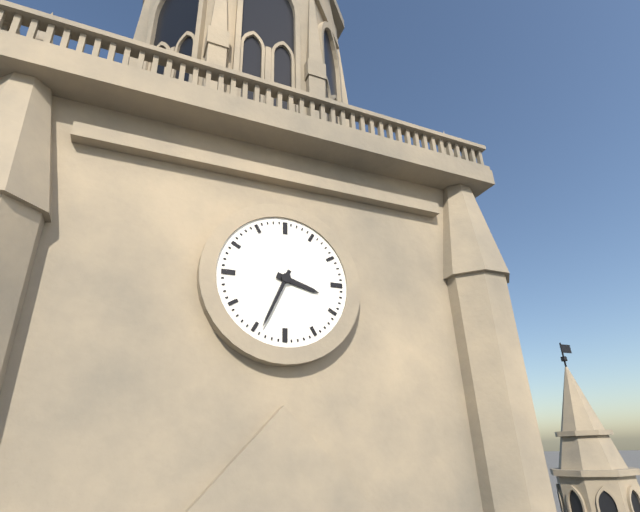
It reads **3:34**
